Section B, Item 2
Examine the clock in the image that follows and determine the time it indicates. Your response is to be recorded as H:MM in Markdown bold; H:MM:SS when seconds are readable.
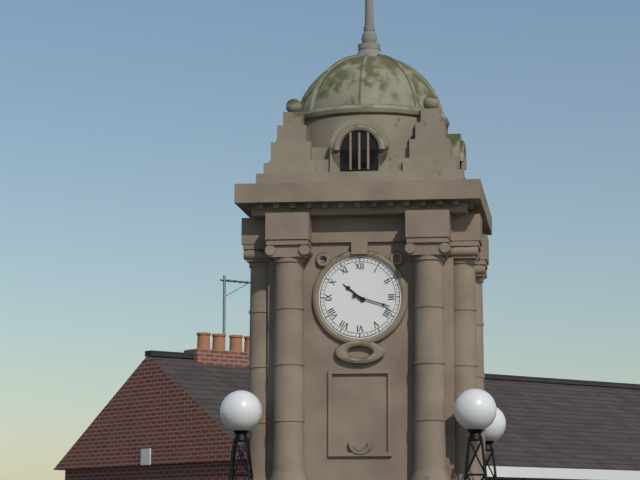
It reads **10:18**
